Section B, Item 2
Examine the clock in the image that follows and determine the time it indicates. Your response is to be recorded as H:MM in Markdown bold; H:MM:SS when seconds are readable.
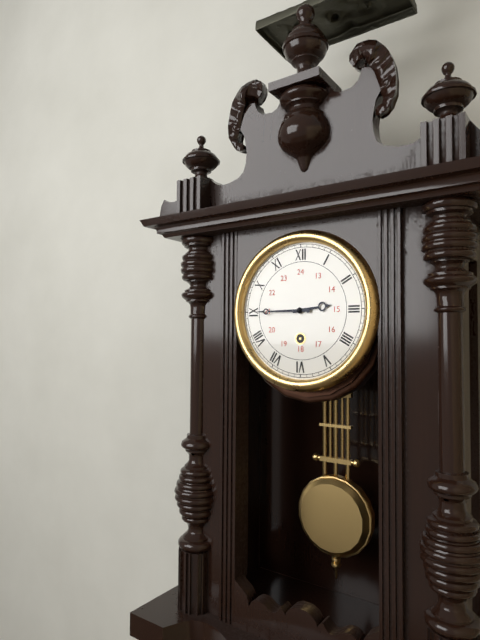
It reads **2:45**
